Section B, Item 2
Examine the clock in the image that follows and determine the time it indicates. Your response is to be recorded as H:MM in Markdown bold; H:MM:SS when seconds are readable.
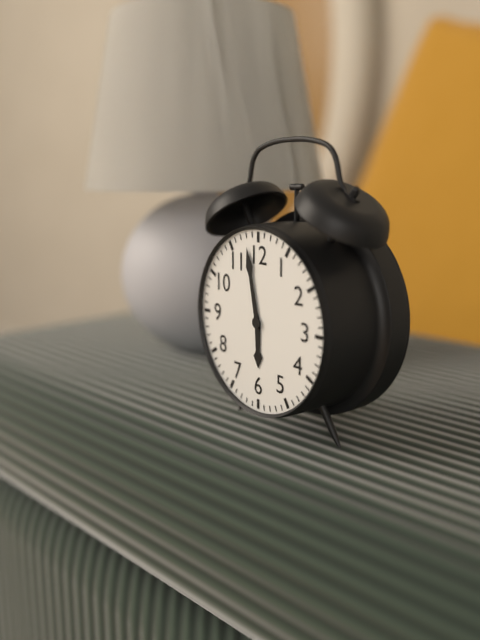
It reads **5:58**
